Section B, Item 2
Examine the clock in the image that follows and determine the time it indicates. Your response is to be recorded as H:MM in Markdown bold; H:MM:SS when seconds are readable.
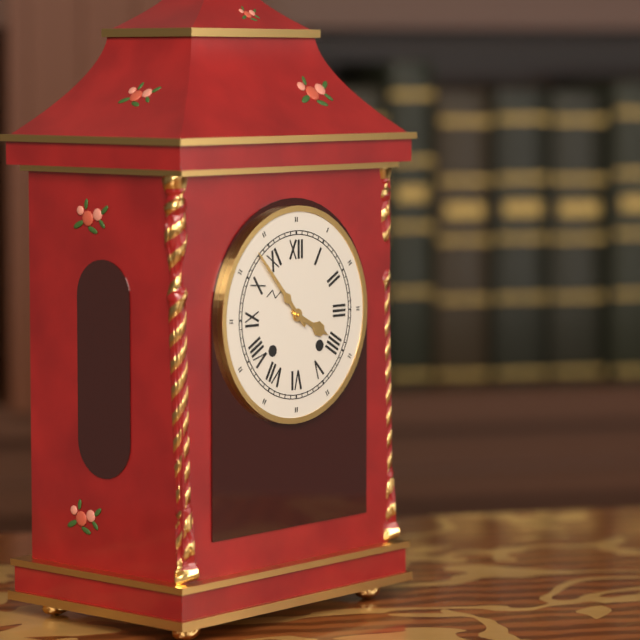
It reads **3:53**
